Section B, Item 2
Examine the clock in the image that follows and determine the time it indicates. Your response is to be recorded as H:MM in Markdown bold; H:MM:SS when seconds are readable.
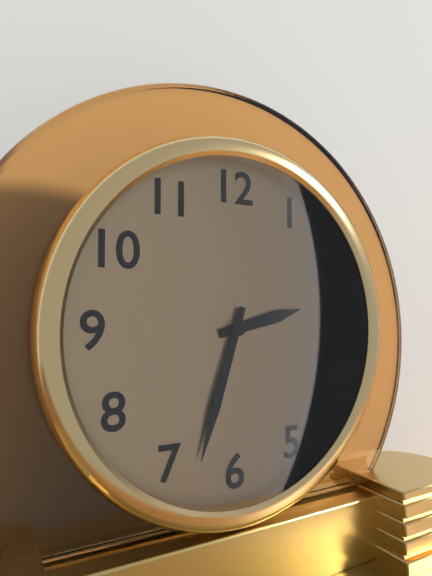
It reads **2:33**
